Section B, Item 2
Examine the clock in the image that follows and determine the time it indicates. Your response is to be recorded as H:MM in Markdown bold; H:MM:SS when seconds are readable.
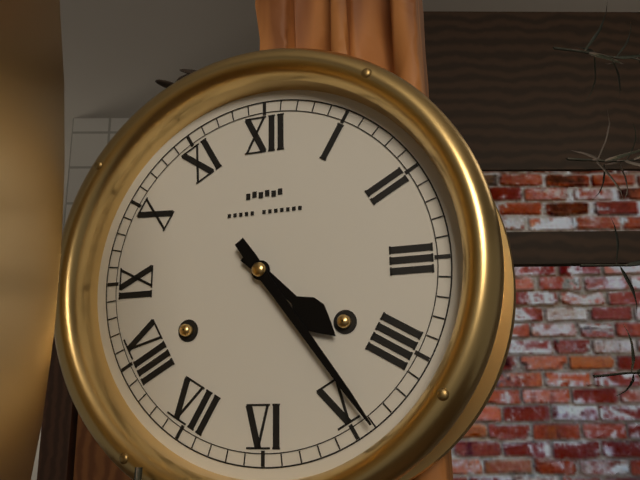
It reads **4:24**
